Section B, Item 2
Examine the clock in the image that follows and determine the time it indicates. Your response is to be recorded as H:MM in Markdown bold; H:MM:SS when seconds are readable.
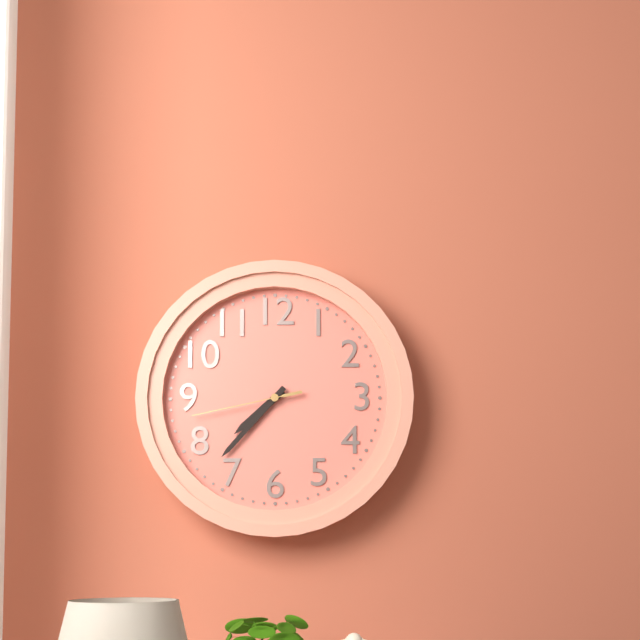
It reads **7:37:43**
